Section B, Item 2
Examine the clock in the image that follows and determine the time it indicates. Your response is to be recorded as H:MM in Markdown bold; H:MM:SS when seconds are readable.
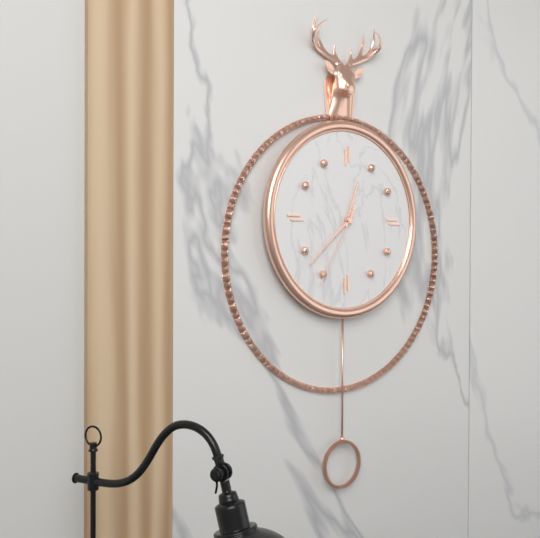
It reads **12:38:35**
